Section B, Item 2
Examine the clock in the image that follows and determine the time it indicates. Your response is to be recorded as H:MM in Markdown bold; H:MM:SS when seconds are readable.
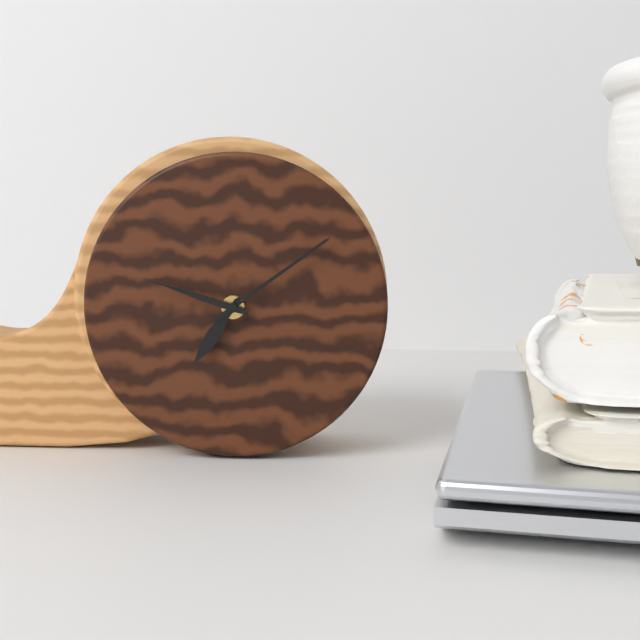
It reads **7:09:48**
